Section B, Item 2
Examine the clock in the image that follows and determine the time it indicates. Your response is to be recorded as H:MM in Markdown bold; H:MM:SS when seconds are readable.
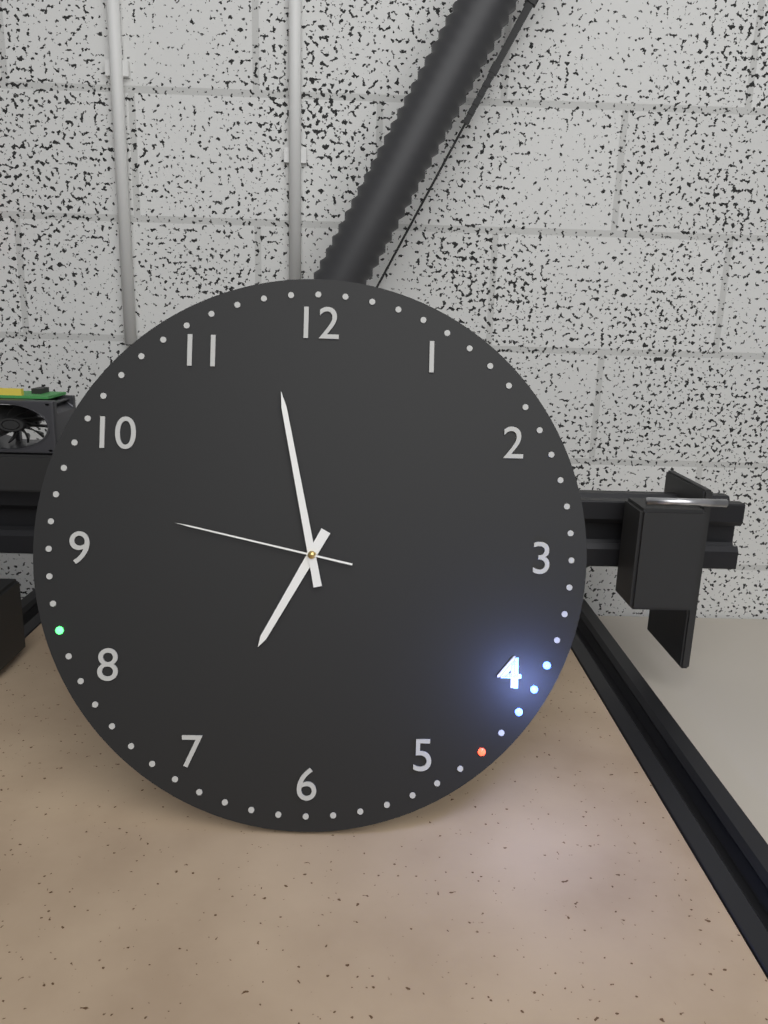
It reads **6:58:47**
